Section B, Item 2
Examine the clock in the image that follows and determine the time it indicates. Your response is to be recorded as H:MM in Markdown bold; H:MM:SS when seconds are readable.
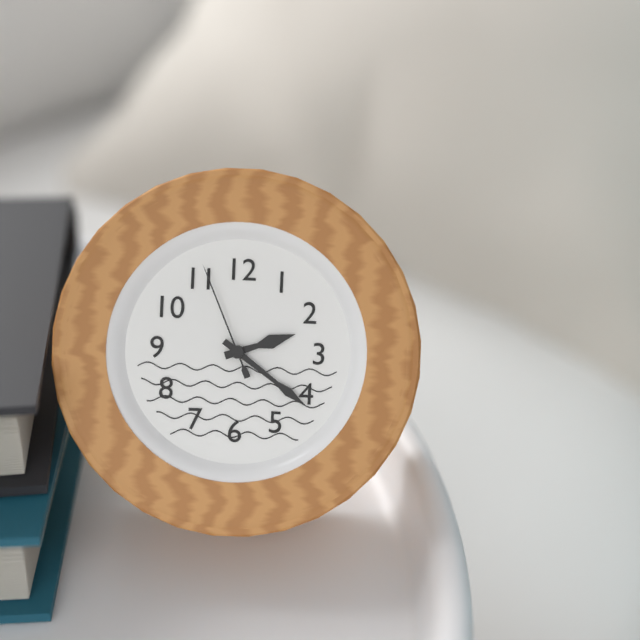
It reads **2:21:56**
